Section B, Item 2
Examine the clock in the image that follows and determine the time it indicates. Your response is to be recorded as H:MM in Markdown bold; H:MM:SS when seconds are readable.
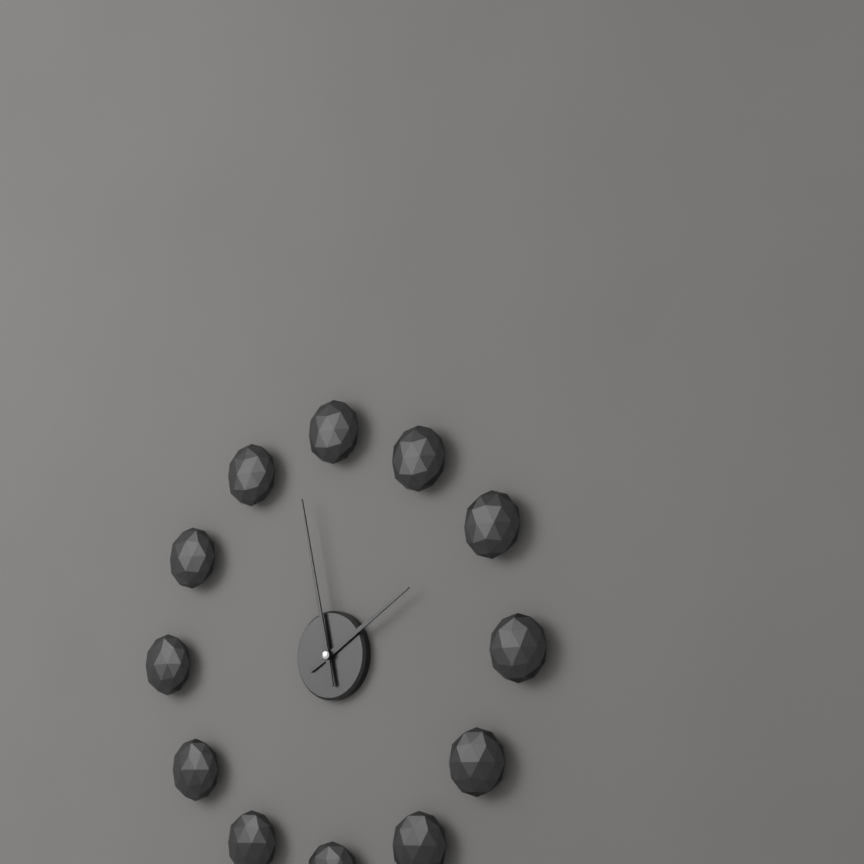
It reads **1:58**
